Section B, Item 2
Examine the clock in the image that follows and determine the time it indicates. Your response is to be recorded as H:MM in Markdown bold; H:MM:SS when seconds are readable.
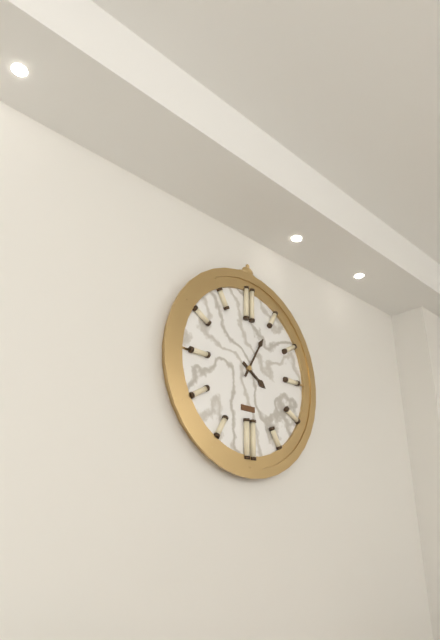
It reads **4:05**
